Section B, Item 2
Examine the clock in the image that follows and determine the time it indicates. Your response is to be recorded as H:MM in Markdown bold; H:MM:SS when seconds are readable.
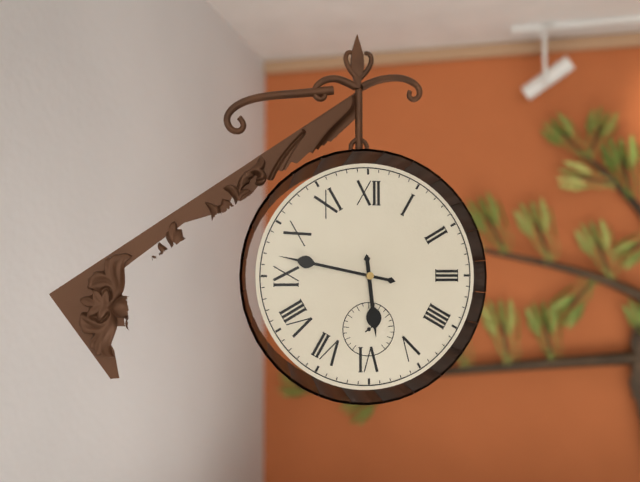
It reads **5:47**
